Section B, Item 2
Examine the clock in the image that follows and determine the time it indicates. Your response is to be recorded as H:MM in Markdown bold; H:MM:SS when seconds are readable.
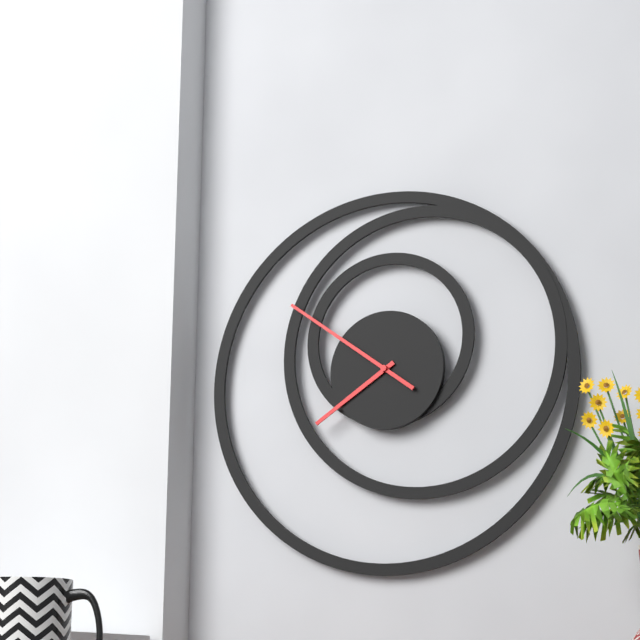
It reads **7:51**
